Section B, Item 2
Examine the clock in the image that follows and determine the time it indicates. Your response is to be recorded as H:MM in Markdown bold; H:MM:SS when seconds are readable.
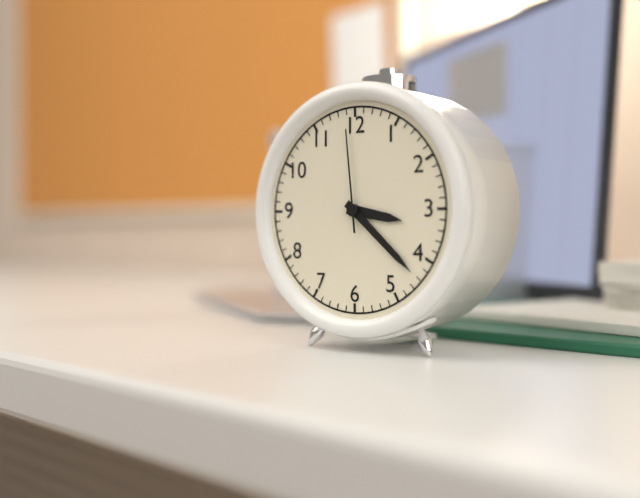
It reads **3:22:59**
